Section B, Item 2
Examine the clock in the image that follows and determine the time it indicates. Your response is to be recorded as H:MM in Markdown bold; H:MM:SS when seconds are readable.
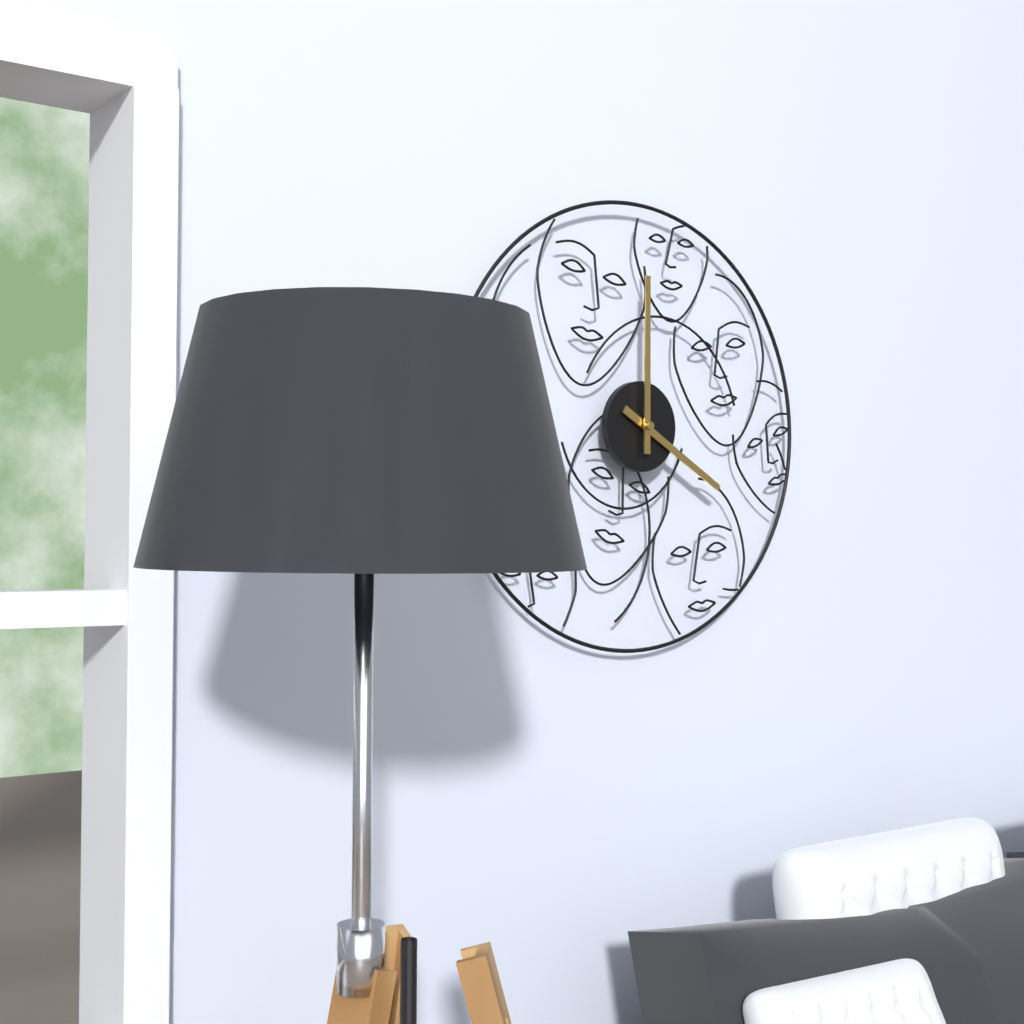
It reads **4:00**
